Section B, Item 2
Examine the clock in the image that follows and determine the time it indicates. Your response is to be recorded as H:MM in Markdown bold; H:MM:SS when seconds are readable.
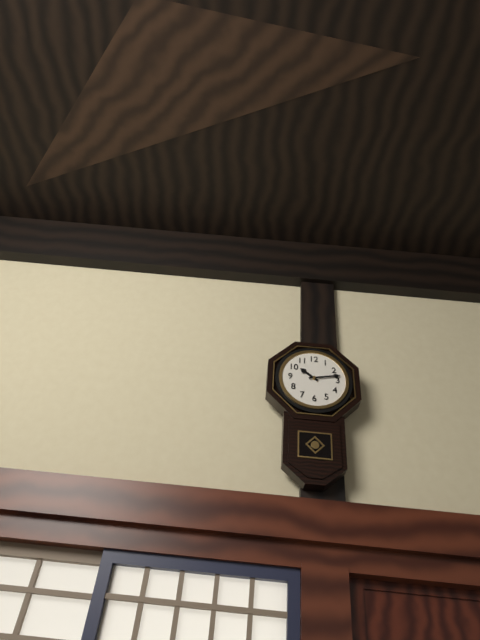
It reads **10:13**
